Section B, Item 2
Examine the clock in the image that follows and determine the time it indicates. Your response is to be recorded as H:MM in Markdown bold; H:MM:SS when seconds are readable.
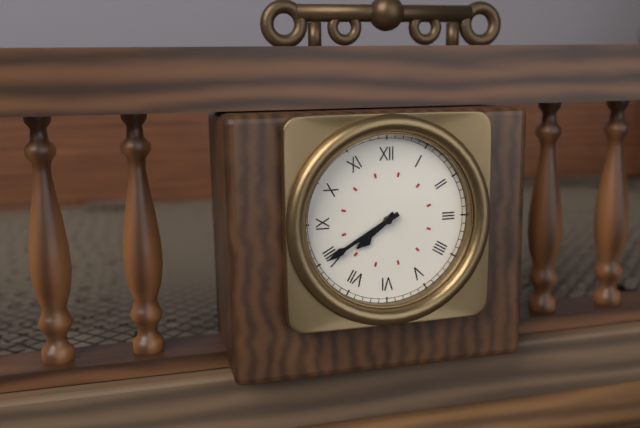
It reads **7:40**
